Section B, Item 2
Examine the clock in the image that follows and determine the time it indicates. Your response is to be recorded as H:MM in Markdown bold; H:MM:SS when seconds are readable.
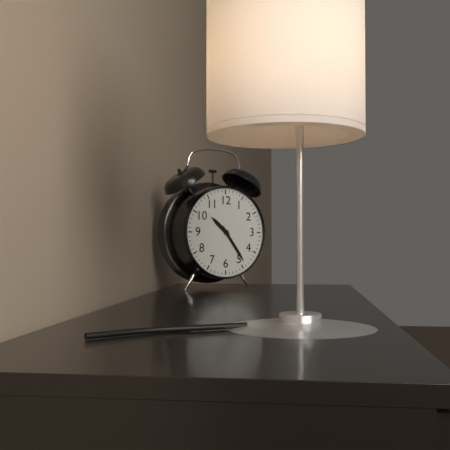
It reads **10:24**
